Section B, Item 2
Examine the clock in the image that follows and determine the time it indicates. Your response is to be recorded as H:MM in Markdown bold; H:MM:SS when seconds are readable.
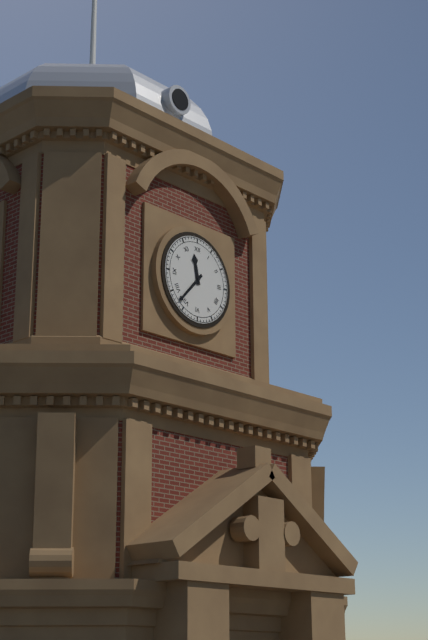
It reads **11:37**
